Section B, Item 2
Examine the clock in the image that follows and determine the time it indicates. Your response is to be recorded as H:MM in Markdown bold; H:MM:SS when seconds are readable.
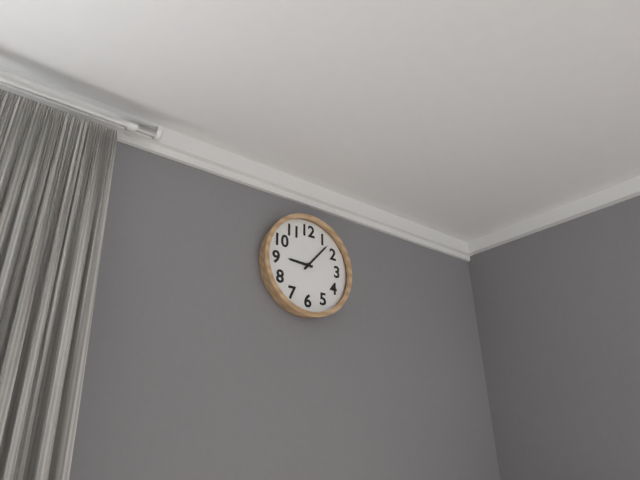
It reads **9:07**
